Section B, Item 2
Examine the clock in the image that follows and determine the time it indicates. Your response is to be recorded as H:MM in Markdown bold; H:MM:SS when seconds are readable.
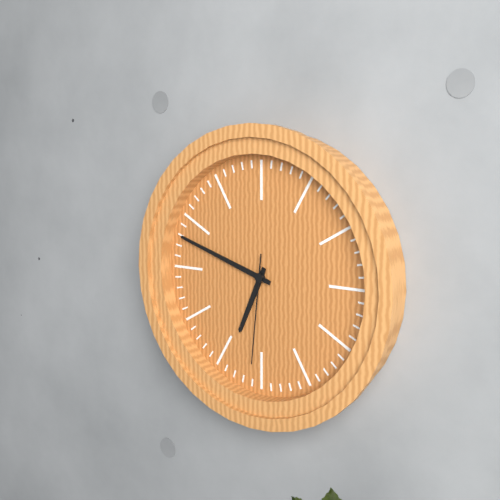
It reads **6:48:31**
